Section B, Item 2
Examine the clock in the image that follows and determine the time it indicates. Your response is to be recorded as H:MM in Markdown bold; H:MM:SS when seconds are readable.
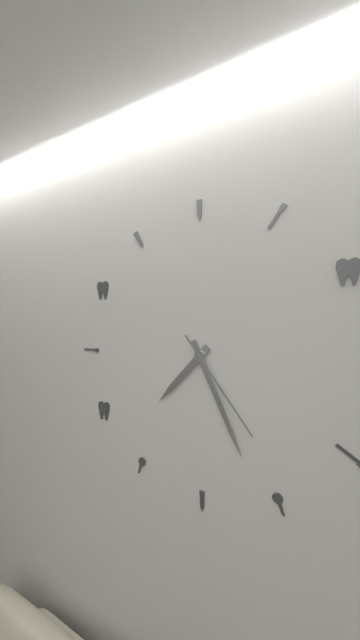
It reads **7:26:24**
